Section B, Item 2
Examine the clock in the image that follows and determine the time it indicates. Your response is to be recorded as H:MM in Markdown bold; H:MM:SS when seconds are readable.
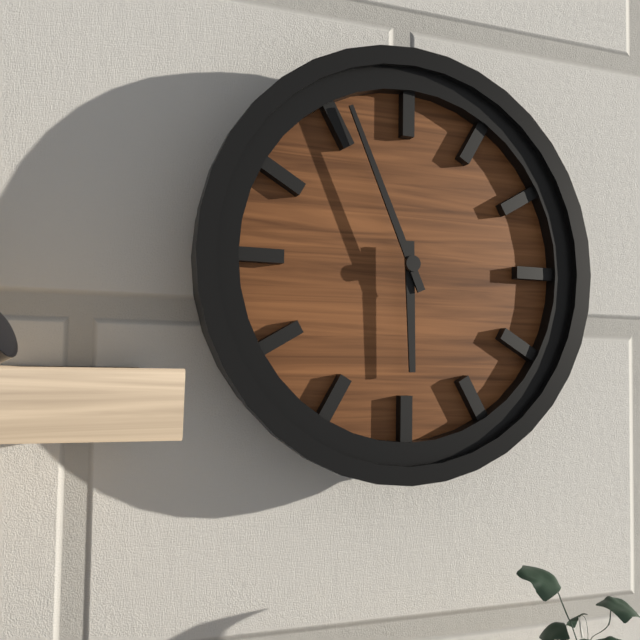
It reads **5:56**
